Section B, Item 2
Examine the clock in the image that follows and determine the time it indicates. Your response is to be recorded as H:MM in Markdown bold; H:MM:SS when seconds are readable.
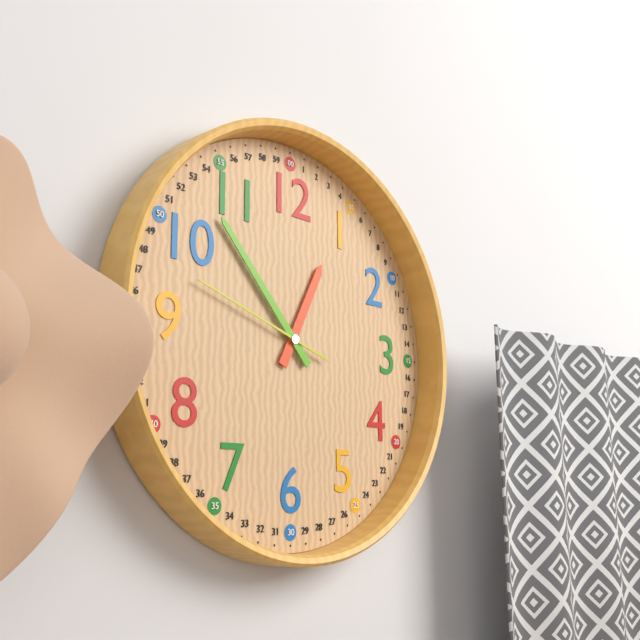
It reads **12:53:48**
